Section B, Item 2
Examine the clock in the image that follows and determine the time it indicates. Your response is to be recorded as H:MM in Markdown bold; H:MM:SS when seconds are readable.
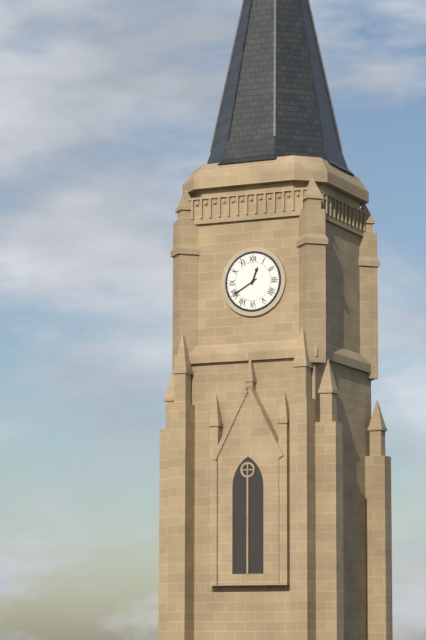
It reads **12:40**
